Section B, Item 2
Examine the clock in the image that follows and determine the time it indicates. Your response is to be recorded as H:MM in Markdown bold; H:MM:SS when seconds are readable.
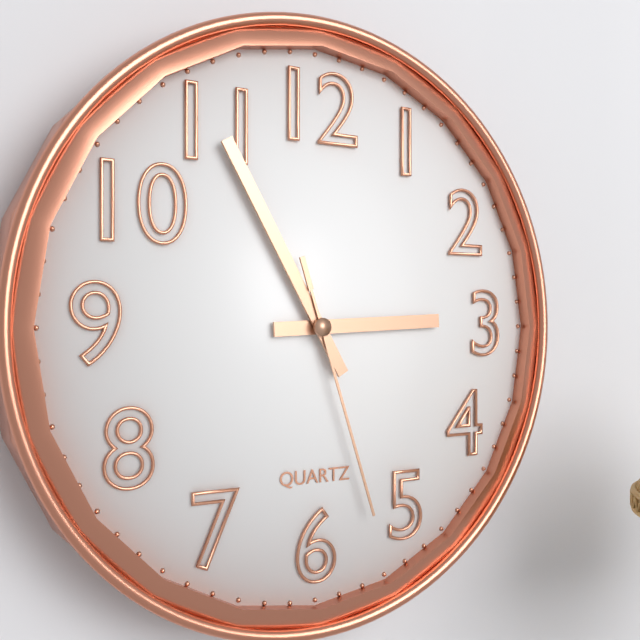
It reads **2:55:27**
